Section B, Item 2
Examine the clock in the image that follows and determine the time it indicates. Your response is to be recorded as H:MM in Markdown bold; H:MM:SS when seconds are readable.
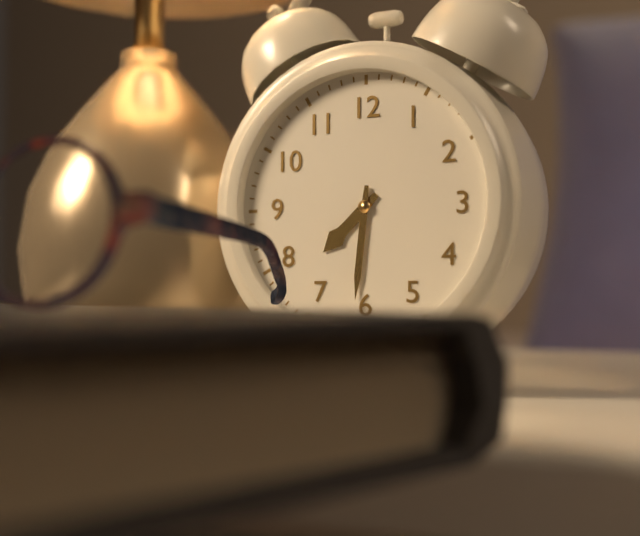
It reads **7:31**
